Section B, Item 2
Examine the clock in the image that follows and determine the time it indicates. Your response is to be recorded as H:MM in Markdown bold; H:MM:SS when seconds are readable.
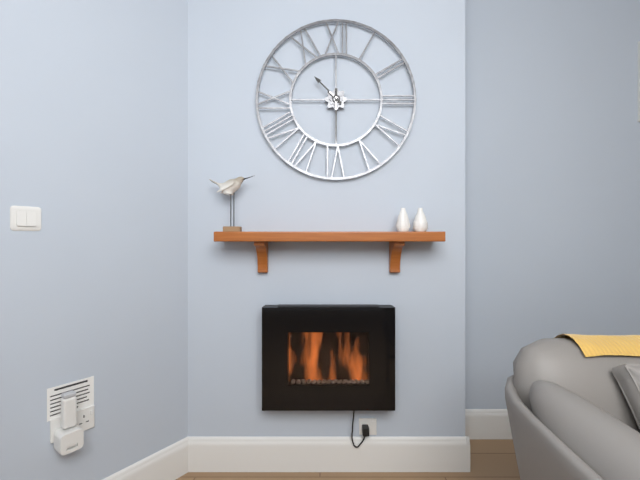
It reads **10:30**
